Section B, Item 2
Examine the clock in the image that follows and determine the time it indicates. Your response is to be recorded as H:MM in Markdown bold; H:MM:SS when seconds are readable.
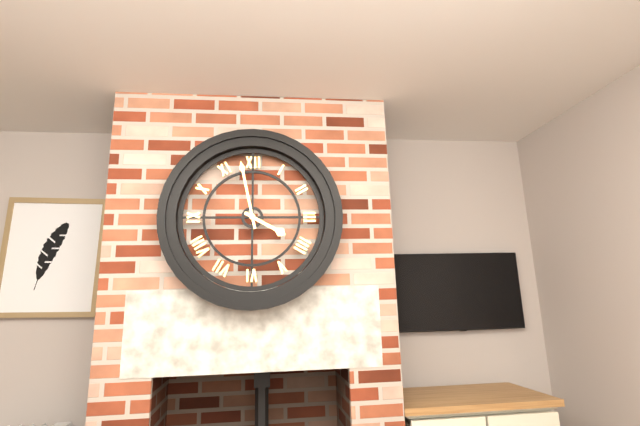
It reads **3:58**
